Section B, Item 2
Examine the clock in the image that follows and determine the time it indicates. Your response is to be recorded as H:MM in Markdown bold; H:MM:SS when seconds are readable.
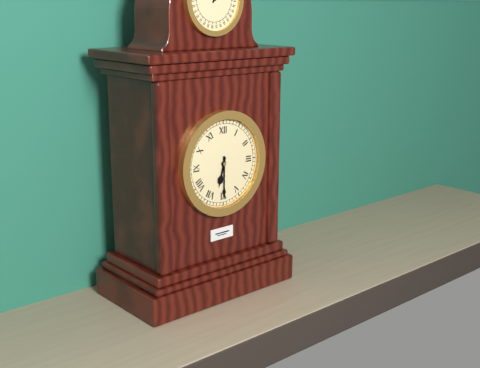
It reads **6:30**
